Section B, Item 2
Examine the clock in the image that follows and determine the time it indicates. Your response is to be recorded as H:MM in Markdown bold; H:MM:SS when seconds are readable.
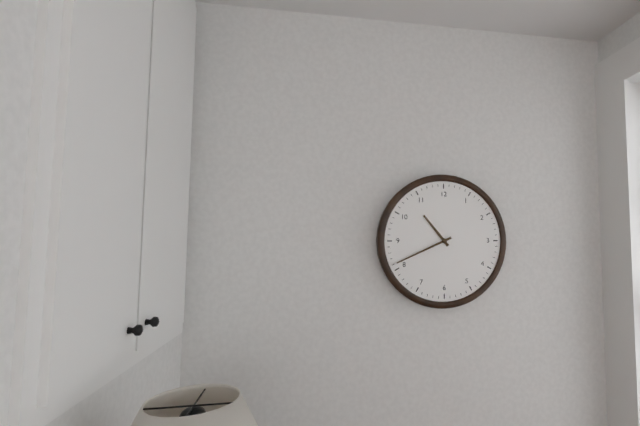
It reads **10:41**
